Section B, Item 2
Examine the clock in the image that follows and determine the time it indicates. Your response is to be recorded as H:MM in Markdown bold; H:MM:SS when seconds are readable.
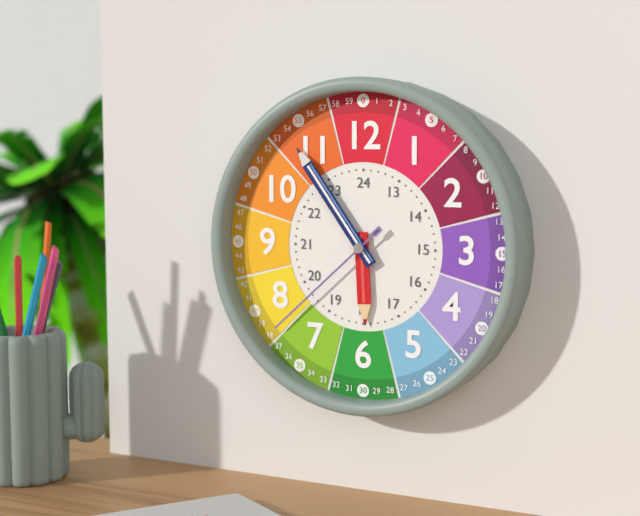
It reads **5:54:38**
